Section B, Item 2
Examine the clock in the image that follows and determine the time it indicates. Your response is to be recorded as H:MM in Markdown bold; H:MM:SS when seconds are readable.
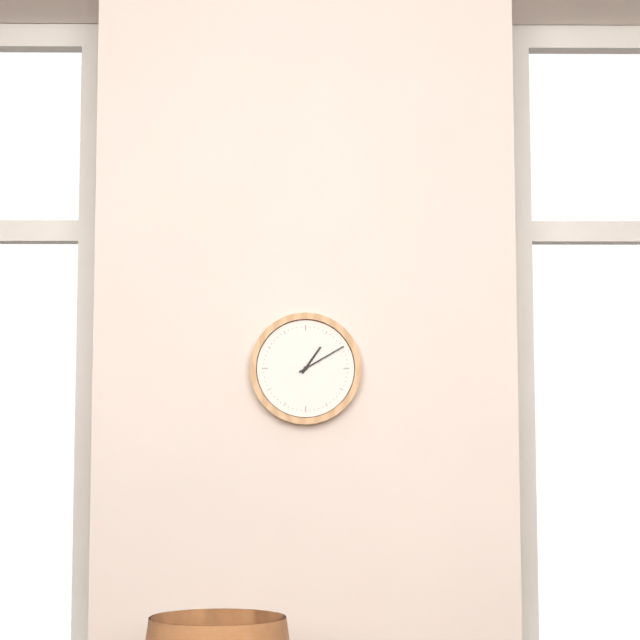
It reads **1:10**
